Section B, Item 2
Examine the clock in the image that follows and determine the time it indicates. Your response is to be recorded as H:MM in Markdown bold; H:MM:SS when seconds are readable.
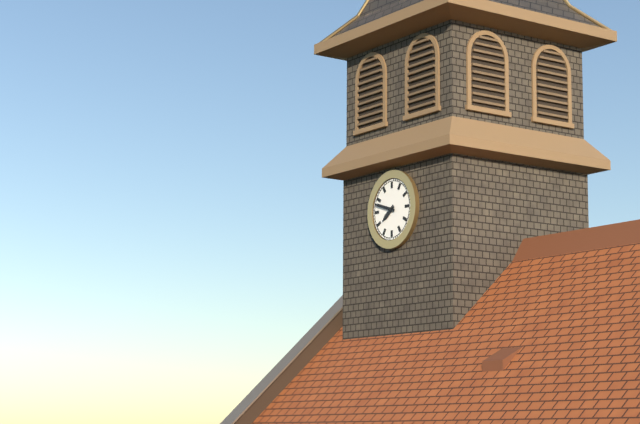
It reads **7:48**
